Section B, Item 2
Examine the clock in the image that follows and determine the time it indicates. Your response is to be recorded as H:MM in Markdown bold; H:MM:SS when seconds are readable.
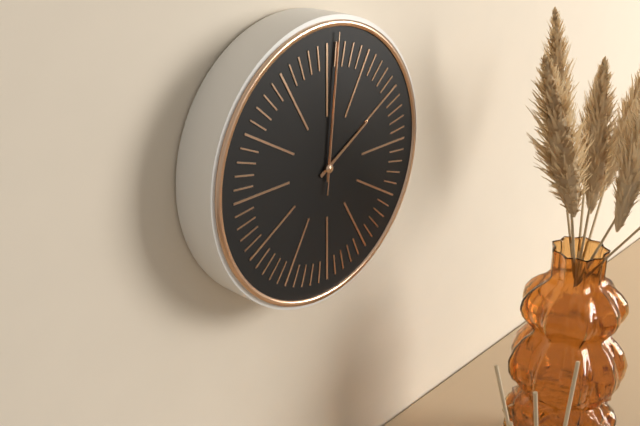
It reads **2:01:01**
